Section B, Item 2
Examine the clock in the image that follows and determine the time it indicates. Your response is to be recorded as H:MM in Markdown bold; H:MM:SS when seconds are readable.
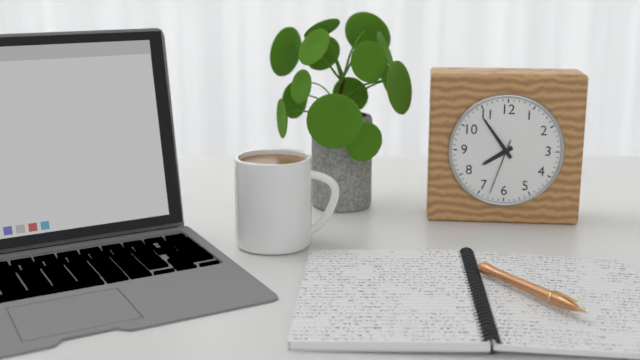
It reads **7:54:33**
